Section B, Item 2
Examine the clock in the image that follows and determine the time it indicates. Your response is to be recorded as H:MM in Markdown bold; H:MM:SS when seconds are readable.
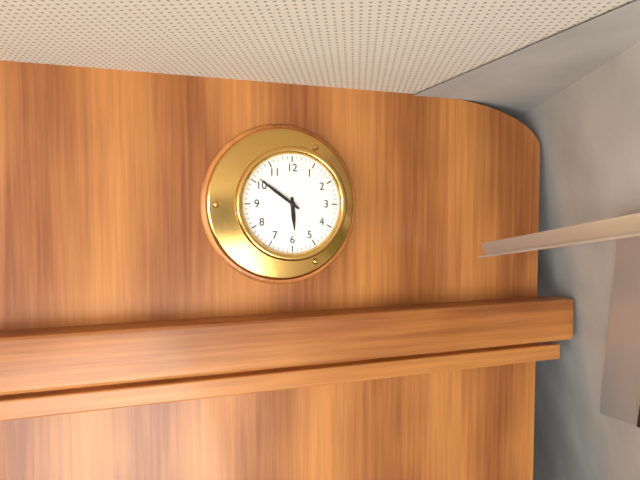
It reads **5:51**
